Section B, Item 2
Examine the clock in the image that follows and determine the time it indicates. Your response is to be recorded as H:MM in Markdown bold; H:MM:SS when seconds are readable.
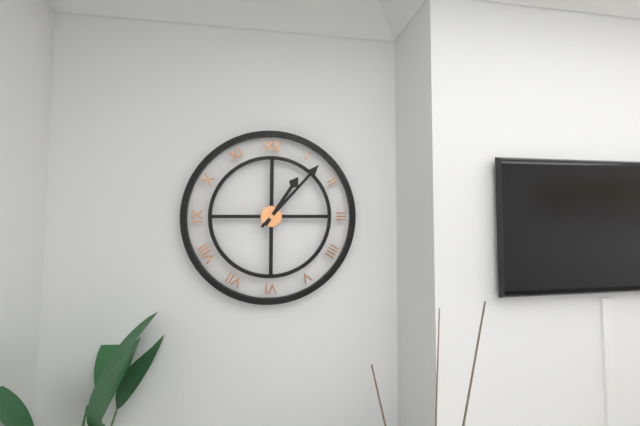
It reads **1:07**
